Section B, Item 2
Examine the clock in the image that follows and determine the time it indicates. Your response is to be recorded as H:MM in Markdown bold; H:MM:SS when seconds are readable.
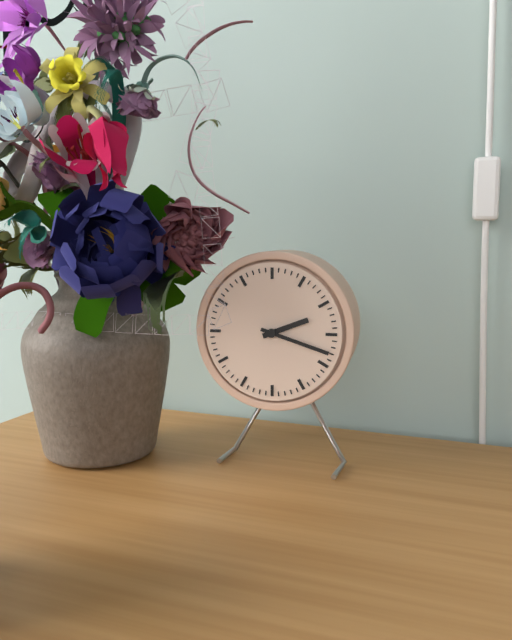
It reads **2:18**
